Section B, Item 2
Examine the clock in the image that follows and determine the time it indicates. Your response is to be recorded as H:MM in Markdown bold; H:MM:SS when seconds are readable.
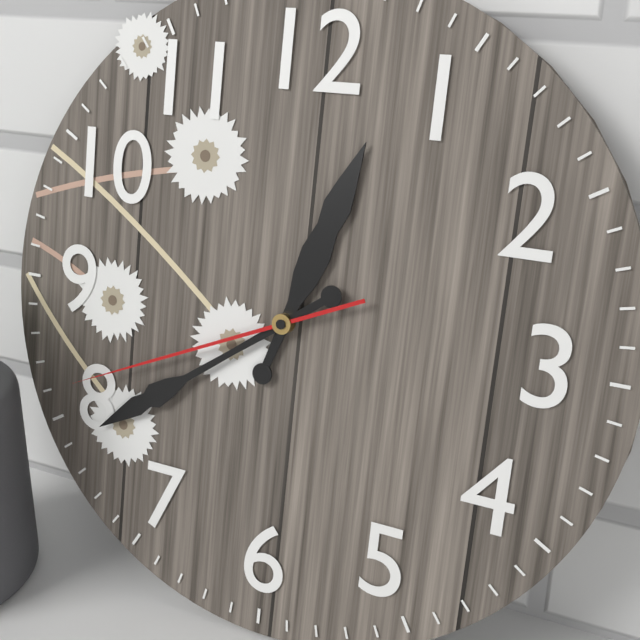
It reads **12:39:41**
